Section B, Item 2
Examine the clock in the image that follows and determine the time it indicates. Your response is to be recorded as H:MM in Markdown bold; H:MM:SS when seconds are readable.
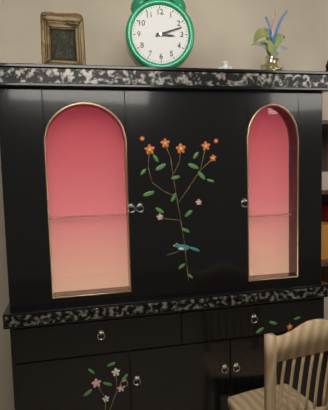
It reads **3:12**
